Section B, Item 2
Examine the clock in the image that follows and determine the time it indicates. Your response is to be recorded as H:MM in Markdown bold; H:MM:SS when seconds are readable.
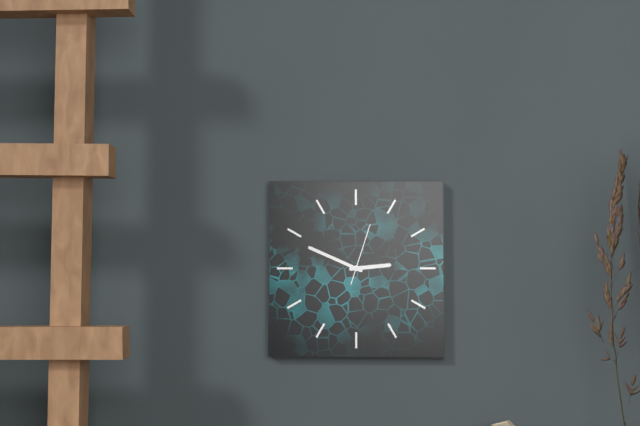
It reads **2:49:03**
